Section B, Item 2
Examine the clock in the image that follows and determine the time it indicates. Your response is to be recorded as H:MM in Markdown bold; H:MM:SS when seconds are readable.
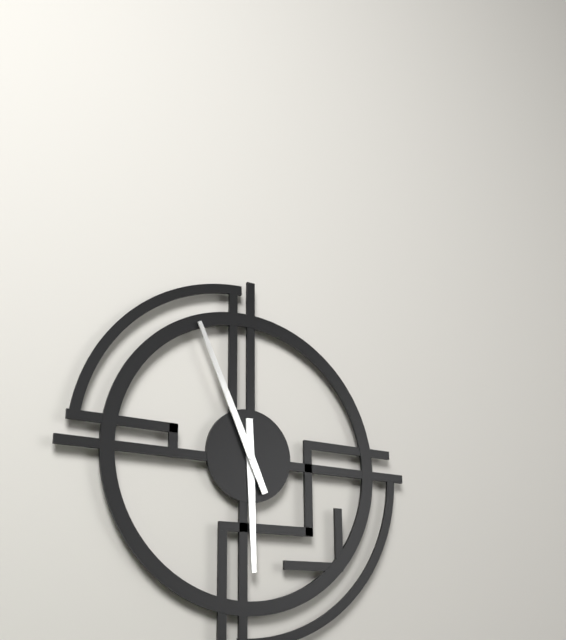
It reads **5:56**
